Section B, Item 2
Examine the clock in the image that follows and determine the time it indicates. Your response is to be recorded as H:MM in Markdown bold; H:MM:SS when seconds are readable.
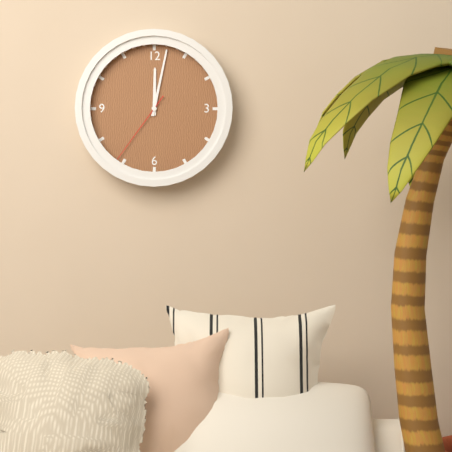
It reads **12:02:36**
